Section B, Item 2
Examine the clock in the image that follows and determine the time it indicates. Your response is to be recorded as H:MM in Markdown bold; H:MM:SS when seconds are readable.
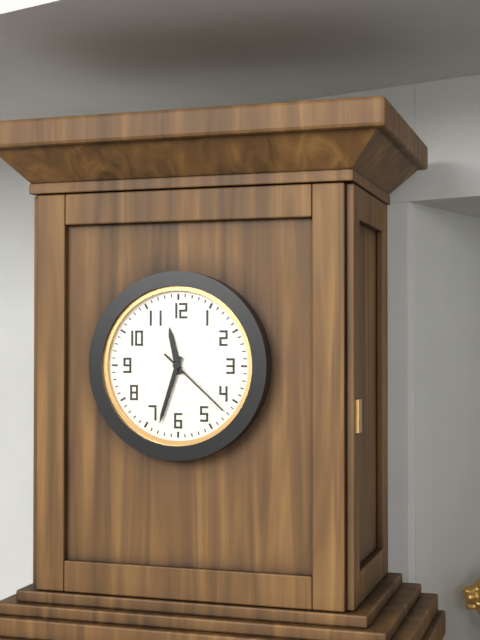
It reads **11:33:22**
